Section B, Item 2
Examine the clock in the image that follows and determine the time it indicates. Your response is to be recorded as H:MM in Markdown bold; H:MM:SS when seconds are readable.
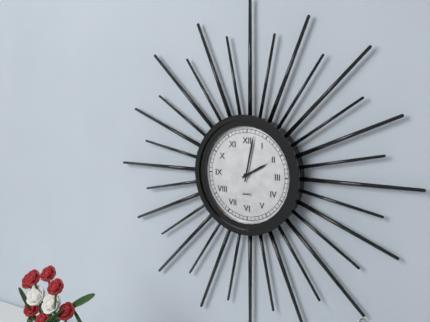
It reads **2:02**
